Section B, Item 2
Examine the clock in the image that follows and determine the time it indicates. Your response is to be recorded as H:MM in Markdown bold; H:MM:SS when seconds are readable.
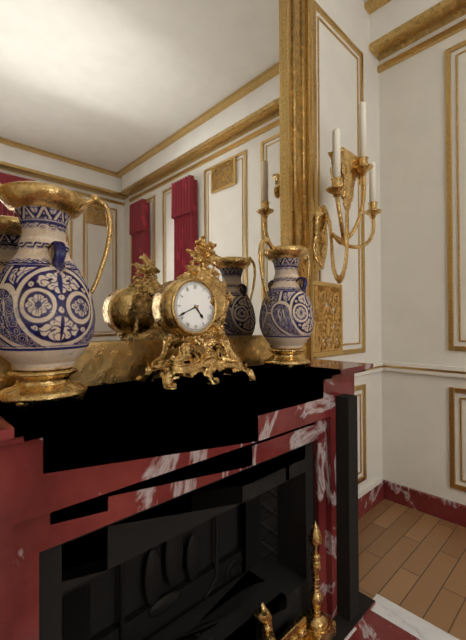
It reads **4:41**
